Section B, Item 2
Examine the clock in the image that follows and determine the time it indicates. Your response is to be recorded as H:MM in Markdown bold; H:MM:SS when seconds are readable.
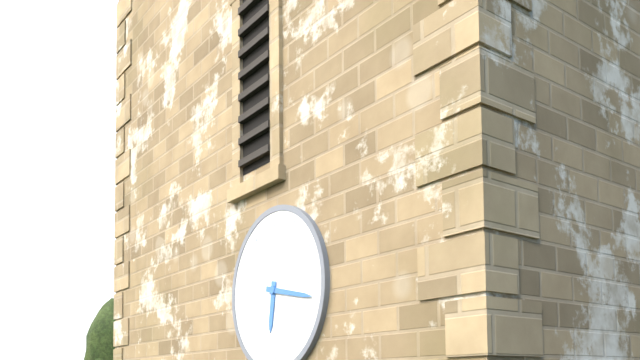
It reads **6:17**
